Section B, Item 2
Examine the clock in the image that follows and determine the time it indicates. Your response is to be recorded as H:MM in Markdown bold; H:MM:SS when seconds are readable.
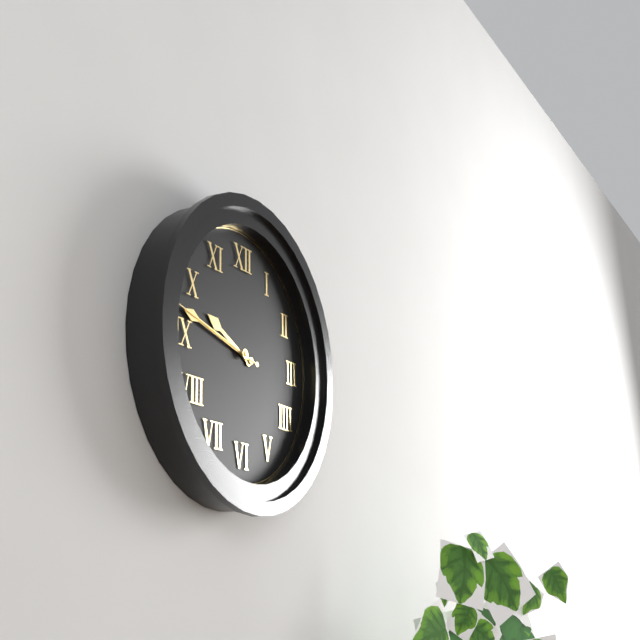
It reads **9:47:47**
